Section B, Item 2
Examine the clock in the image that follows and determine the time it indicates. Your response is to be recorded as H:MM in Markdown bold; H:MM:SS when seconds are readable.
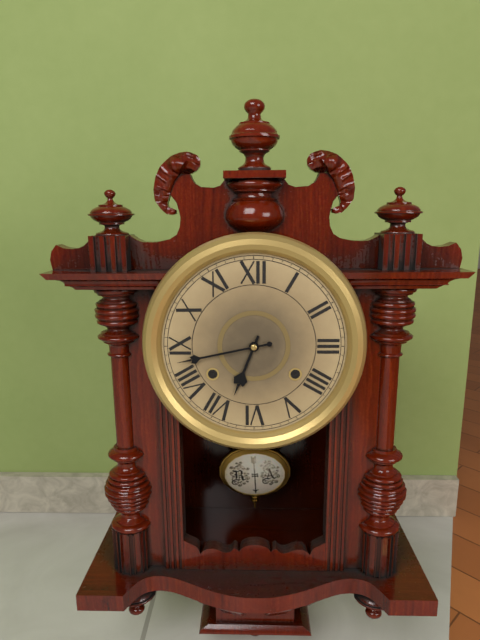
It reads **6:43**
